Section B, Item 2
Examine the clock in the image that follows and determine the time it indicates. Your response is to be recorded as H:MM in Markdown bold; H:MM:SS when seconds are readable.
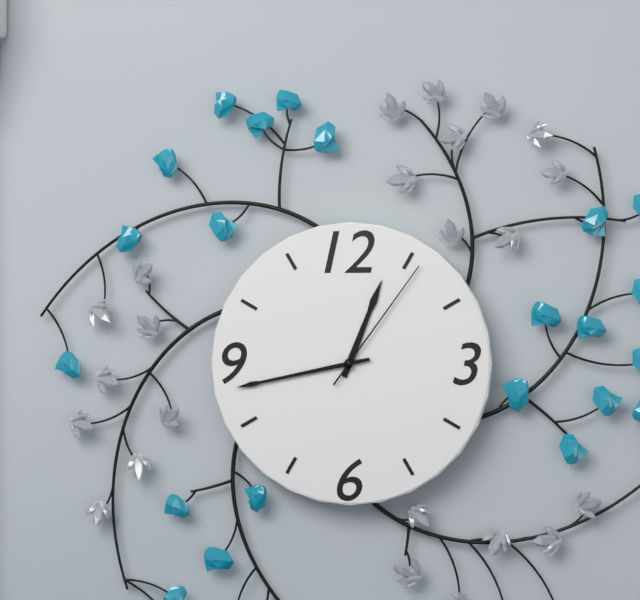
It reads **12:43:06**
